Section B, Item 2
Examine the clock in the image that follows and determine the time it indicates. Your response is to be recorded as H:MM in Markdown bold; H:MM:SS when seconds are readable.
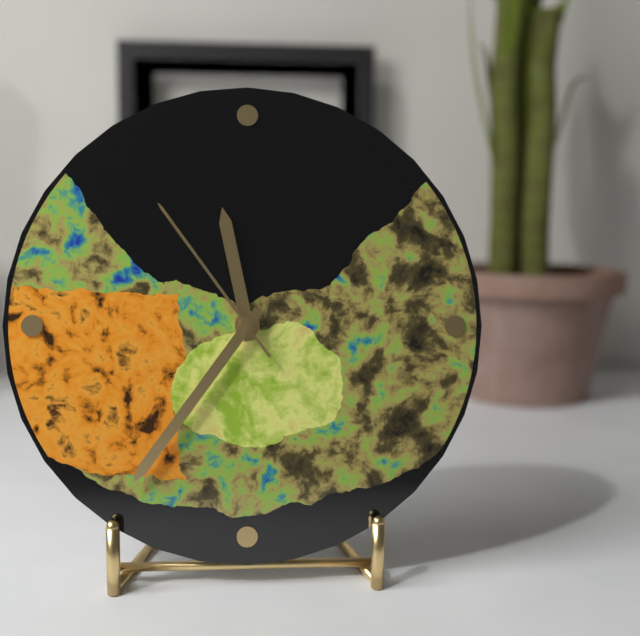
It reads **11:36:54**
